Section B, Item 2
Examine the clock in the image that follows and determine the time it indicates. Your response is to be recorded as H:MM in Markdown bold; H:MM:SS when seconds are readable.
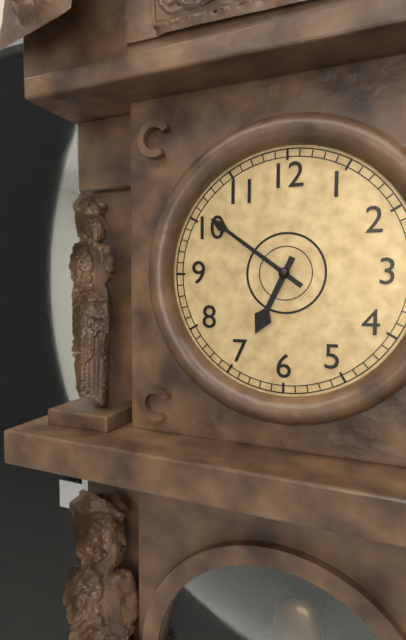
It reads **6:51**
